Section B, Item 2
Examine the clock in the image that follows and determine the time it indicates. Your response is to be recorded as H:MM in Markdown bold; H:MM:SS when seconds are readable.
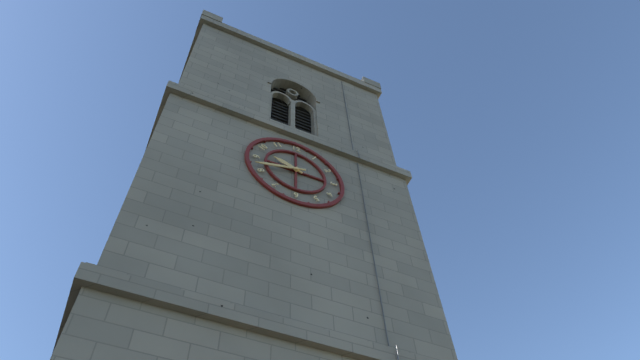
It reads **9:42**
